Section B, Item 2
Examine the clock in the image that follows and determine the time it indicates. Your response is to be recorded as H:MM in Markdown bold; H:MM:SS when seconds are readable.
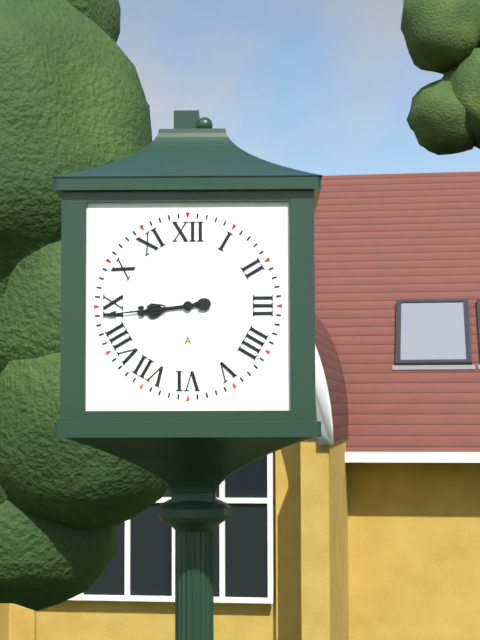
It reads **8:44**
